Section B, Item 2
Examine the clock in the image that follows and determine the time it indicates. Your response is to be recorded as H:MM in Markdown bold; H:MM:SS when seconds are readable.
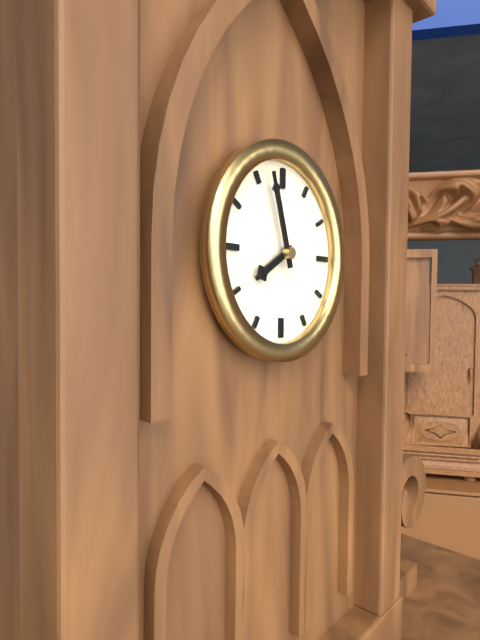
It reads **7:57**
